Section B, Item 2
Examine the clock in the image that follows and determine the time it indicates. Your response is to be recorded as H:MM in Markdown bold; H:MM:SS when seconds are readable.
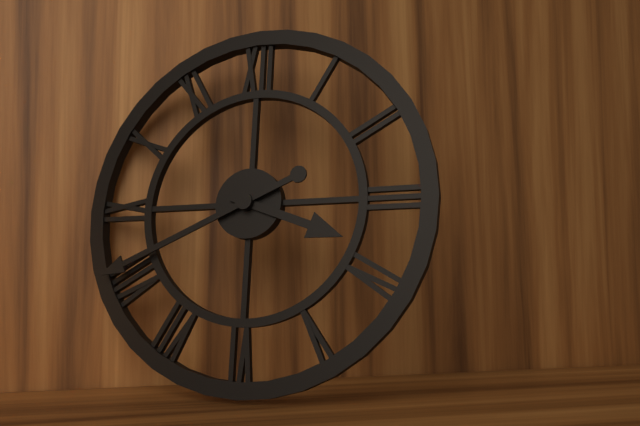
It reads **3:41**
